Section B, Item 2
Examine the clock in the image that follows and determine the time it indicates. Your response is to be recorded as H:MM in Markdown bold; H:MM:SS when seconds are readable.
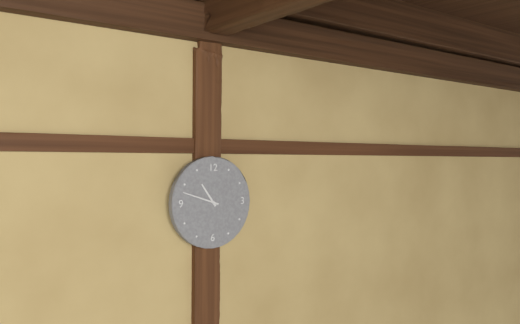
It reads **10:48**
